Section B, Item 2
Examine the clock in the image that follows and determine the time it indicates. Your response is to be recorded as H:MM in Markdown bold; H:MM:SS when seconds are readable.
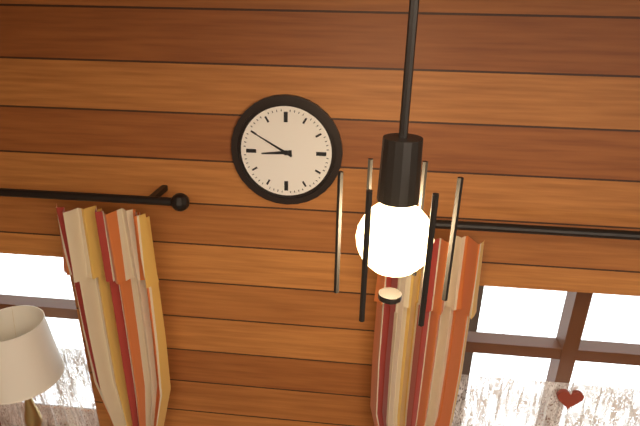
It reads **8:50**
